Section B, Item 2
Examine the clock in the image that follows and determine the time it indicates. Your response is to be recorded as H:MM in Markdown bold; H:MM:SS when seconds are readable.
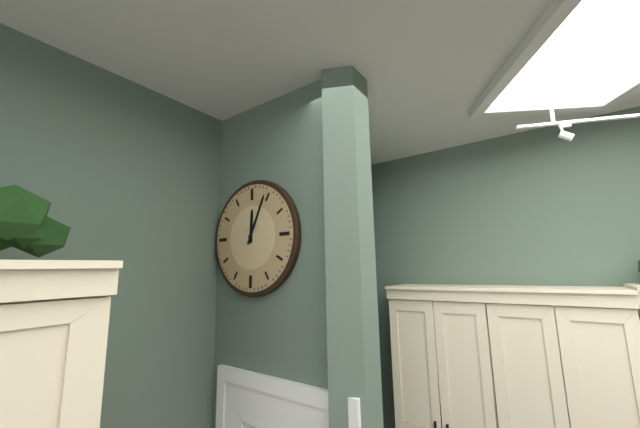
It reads **12:04**
